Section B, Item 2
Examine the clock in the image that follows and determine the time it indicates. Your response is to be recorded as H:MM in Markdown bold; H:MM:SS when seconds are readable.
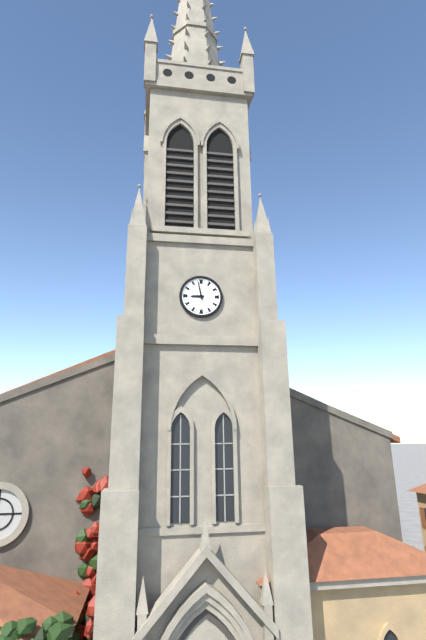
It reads **8:58**
